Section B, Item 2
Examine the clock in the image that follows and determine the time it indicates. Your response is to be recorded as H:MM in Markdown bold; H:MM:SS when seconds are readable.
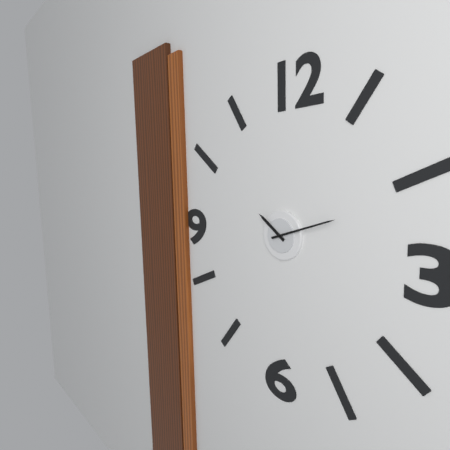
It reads **10:12**
